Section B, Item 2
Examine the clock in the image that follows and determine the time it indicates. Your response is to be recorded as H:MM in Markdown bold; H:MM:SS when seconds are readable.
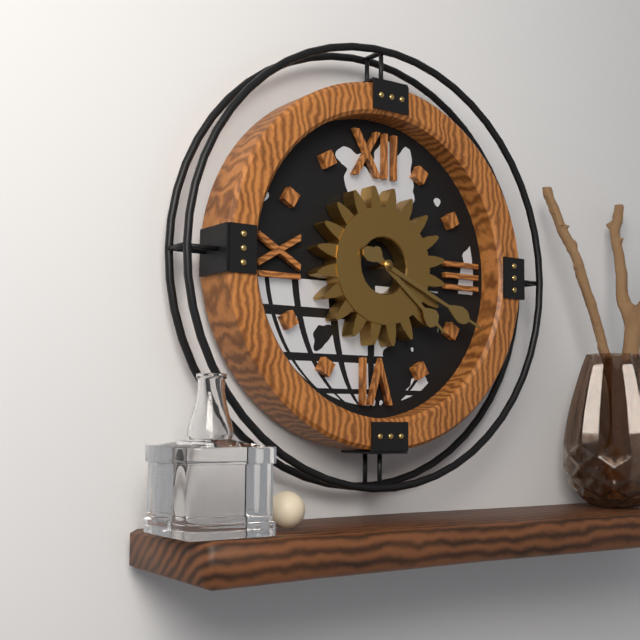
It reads **4:19**
